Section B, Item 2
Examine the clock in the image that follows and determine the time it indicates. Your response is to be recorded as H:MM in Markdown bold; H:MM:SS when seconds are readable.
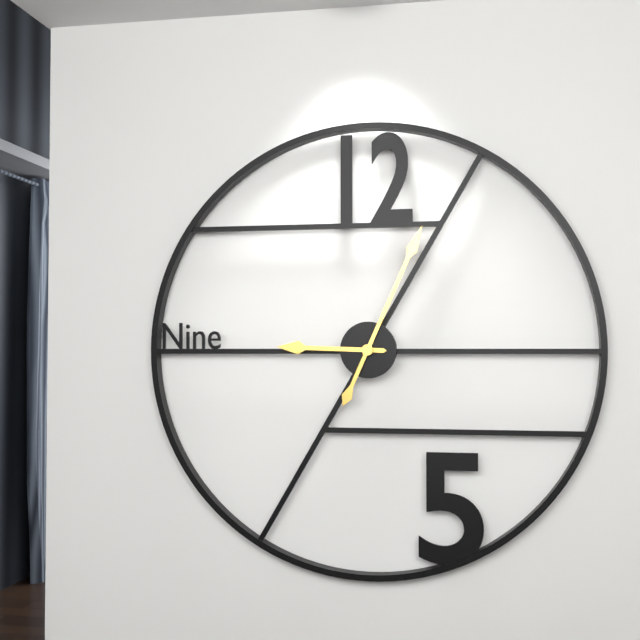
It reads **9:04**
